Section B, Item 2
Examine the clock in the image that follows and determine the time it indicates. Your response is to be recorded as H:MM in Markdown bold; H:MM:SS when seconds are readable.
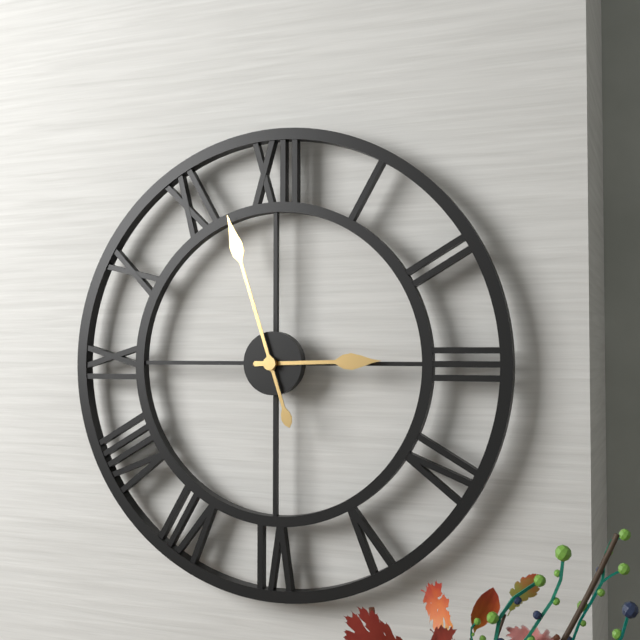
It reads **2:57**
